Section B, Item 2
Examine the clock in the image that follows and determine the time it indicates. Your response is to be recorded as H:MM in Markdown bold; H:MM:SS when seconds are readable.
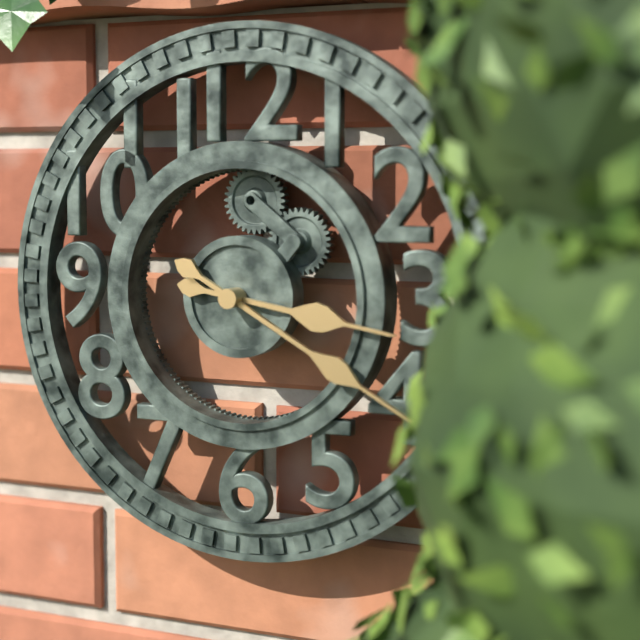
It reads **3:20**
